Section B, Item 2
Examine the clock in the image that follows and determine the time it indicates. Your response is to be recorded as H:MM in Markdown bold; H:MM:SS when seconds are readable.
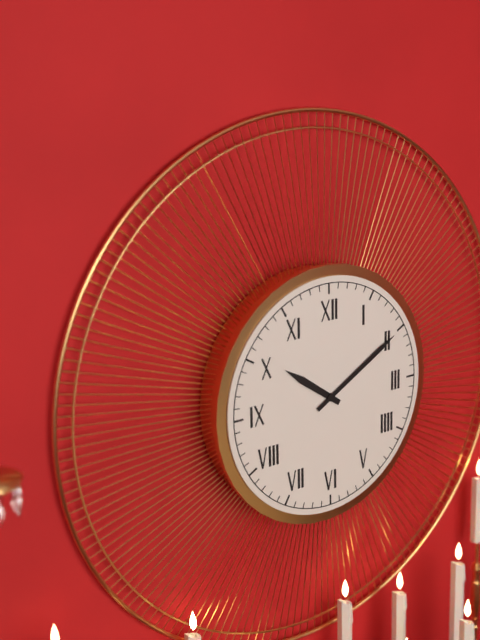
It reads **10:10**
